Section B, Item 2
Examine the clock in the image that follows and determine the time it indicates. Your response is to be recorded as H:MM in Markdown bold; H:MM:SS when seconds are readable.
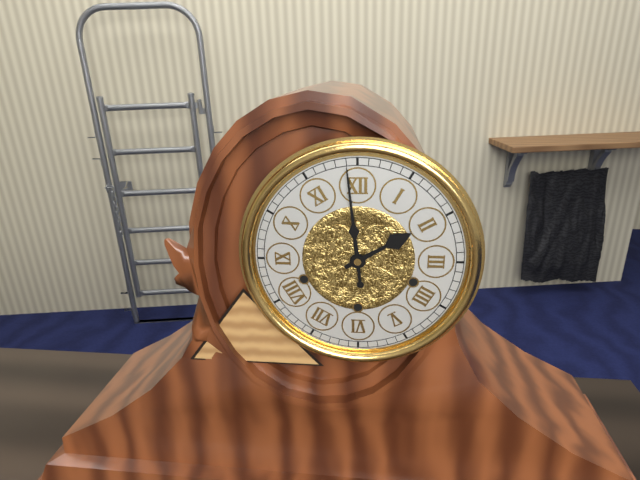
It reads **1:59**
